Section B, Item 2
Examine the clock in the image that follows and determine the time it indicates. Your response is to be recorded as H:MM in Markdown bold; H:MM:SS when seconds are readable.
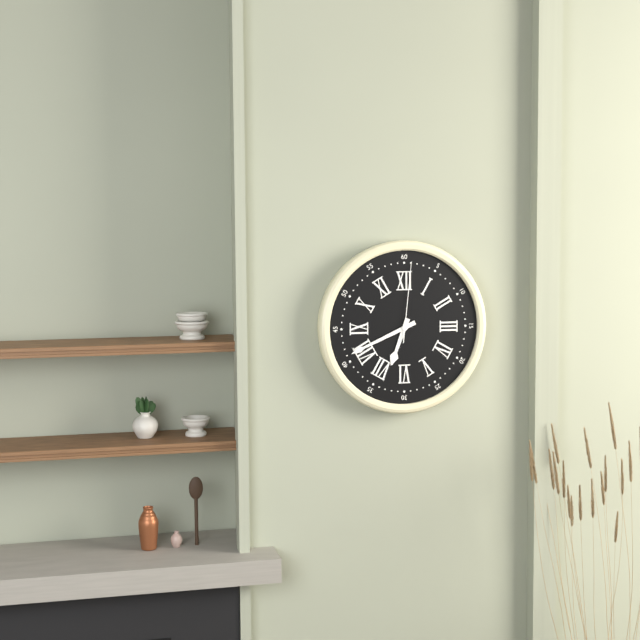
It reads **6:41:01**
